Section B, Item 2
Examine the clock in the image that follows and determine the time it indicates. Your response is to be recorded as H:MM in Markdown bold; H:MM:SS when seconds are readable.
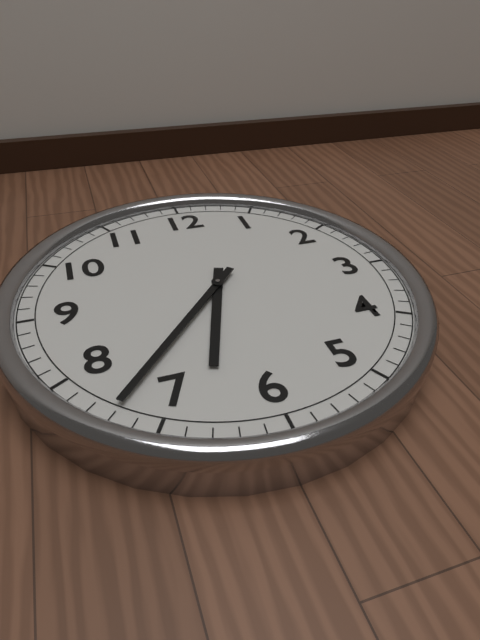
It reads **6:37**
